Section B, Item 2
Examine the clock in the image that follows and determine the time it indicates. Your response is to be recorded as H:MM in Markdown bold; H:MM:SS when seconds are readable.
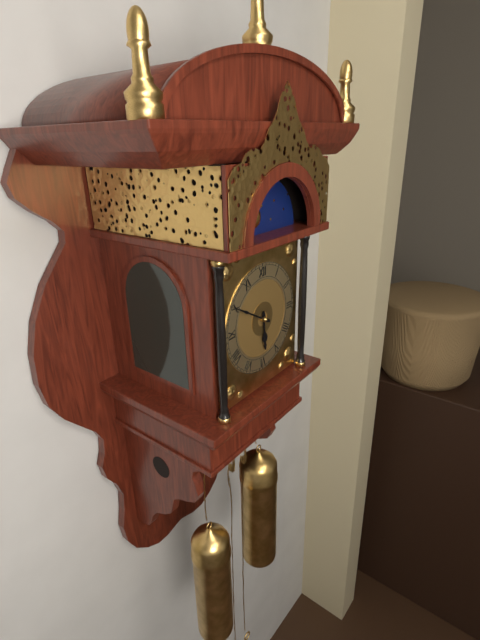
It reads **5:50**
